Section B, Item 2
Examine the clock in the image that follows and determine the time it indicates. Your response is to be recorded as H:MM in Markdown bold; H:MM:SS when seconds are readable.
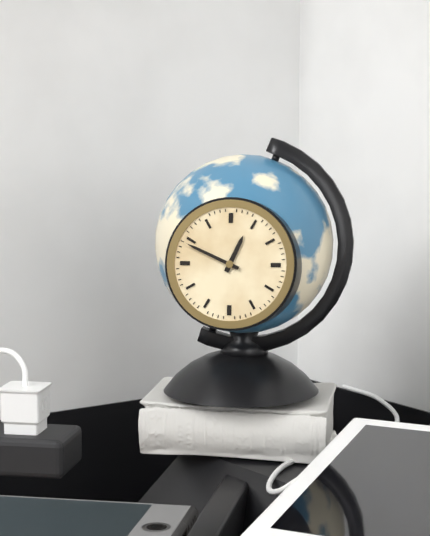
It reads **12:49**
